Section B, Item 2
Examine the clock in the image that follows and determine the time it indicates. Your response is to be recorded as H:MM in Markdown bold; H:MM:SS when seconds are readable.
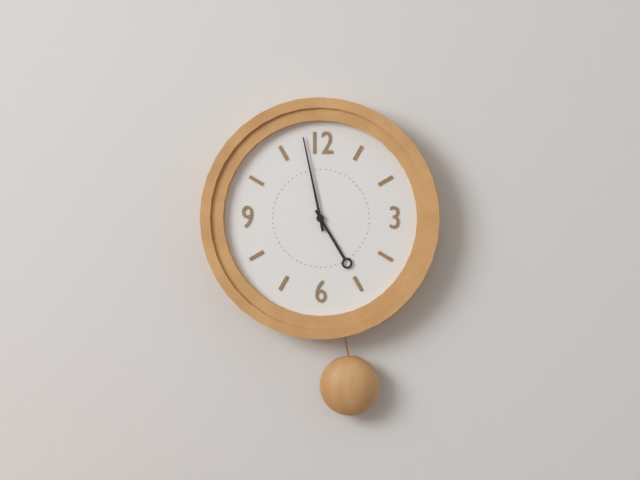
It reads **4:58**
